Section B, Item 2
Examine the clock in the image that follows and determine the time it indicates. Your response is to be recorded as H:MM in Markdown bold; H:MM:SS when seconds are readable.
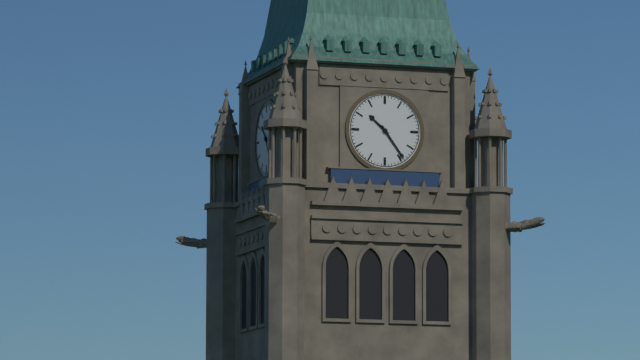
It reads **10:24**
